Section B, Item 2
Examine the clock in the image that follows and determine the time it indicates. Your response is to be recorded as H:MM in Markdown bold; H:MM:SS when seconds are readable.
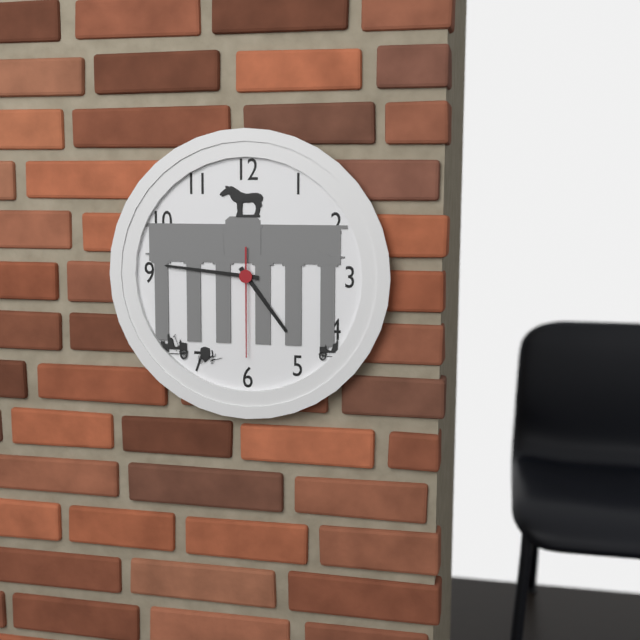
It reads **4:46:30**
